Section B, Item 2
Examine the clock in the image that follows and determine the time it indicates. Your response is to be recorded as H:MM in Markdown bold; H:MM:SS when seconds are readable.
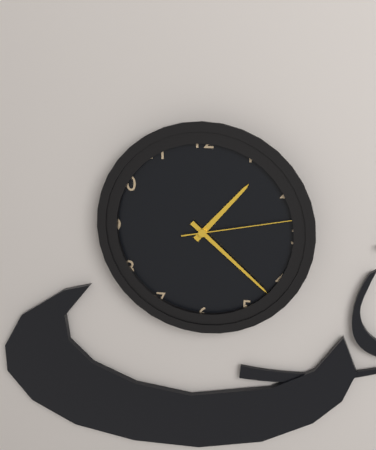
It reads **1:22:13**
